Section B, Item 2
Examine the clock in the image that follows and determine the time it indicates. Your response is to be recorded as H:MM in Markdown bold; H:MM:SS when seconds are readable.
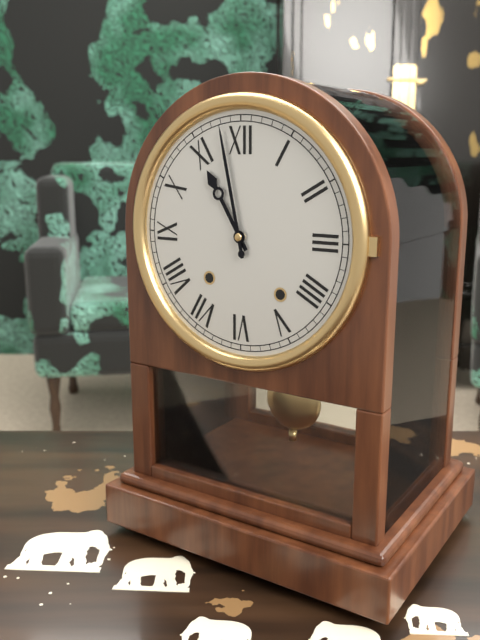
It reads **10:58**
